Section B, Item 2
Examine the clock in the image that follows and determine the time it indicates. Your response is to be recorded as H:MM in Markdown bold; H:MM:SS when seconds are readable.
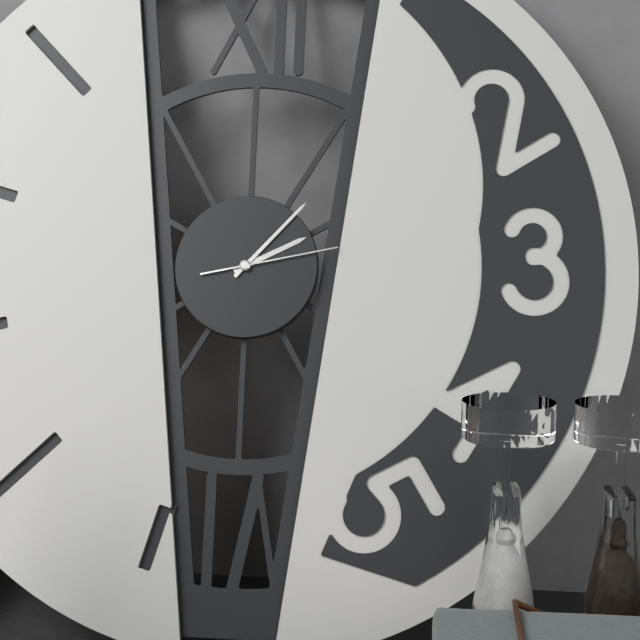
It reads **2:07:13**
